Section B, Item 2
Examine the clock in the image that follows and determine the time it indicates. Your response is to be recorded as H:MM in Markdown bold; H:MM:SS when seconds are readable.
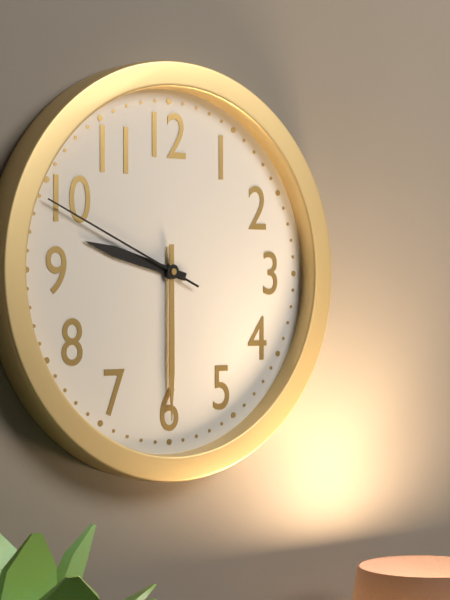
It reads **9:30:49**
